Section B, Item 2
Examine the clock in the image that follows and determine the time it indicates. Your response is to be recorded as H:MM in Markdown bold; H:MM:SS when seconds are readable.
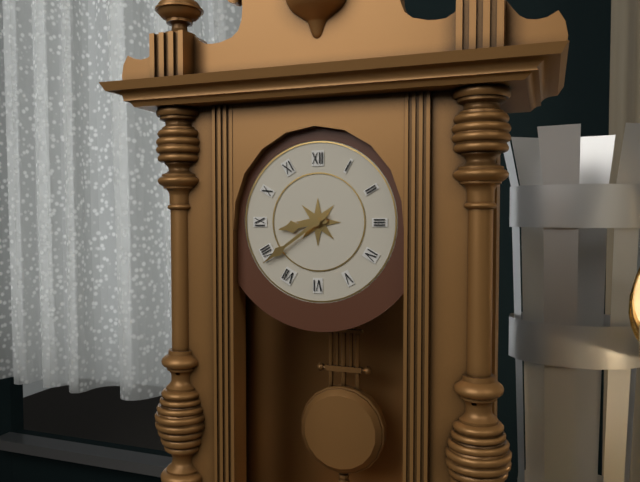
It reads **8:39**
